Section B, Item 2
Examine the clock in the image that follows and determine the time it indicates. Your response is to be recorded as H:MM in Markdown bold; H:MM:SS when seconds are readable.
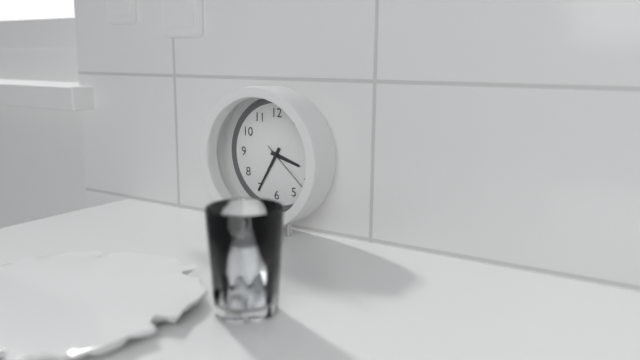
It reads **3:35:22**
